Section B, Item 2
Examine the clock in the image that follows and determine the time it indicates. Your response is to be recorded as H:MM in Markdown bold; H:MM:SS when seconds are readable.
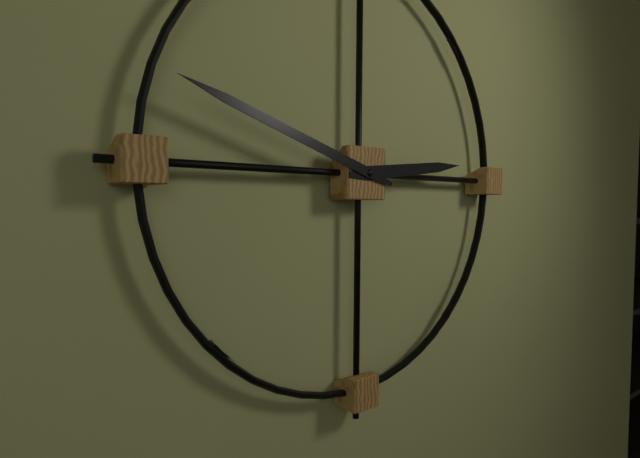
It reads **2:48**
